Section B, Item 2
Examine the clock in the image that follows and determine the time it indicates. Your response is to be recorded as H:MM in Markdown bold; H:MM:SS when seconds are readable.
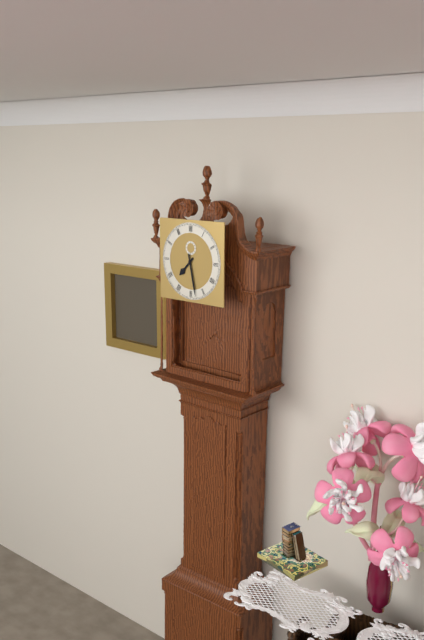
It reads **7:28**
